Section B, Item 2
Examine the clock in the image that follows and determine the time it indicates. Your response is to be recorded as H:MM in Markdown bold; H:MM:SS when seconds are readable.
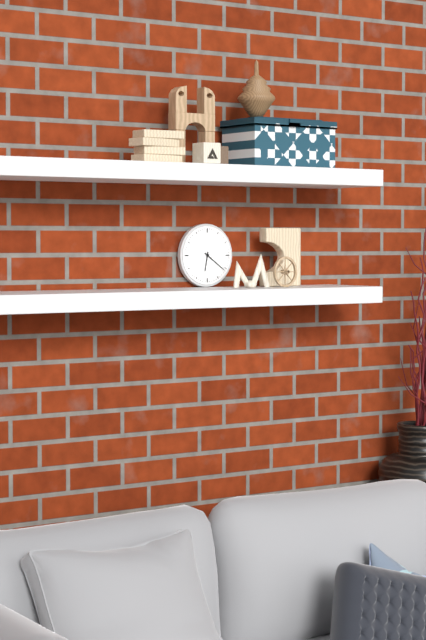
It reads **6:21**
